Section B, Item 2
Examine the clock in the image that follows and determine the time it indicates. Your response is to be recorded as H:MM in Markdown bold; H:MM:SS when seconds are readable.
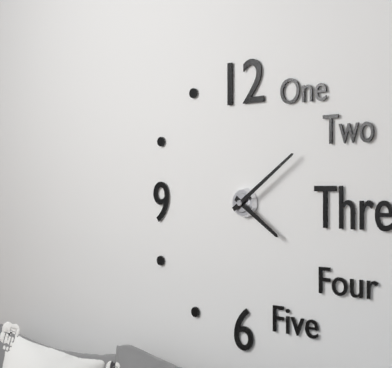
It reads **4:09**
